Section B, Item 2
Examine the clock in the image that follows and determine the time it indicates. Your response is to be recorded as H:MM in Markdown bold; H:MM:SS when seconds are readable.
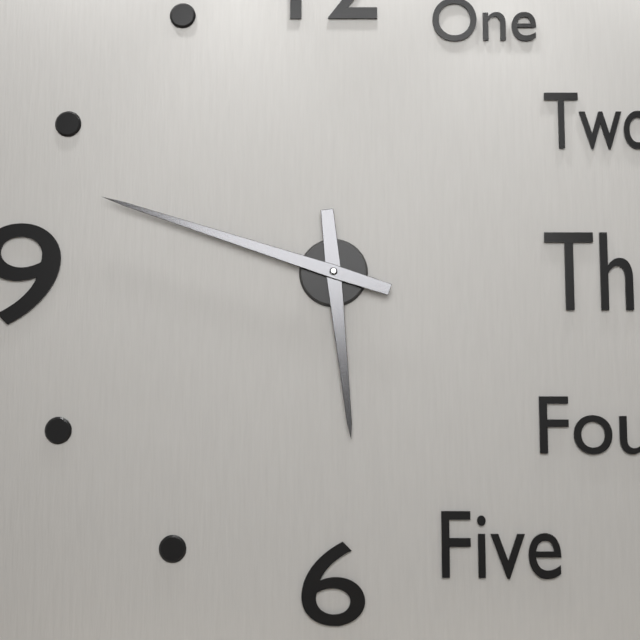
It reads **5:48**
